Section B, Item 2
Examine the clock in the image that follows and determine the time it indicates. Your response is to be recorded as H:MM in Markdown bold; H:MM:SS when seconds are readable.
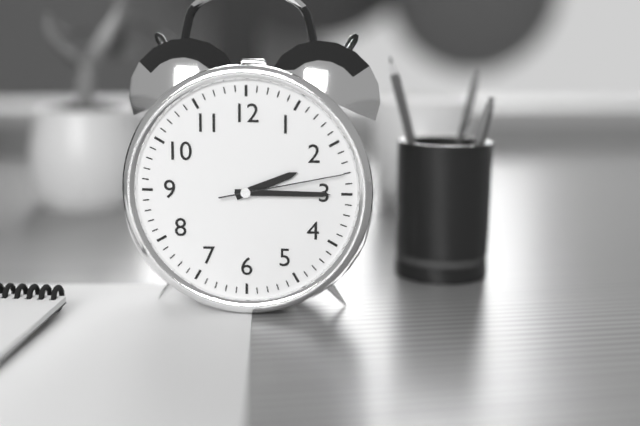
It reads **2:15:13**
